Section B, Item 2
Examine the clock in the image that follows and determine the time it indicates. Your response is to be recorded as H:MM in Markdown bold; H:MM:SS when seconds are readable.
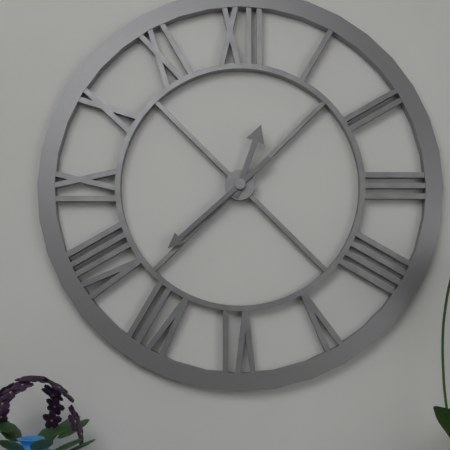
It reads **12:38**
